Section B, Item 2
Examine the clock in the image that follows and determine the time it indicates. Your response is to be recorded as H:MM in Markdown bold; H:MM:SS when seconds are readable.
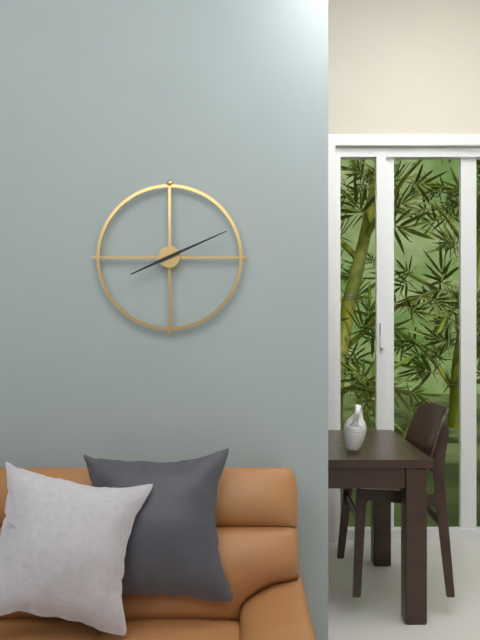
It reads **8:11**
